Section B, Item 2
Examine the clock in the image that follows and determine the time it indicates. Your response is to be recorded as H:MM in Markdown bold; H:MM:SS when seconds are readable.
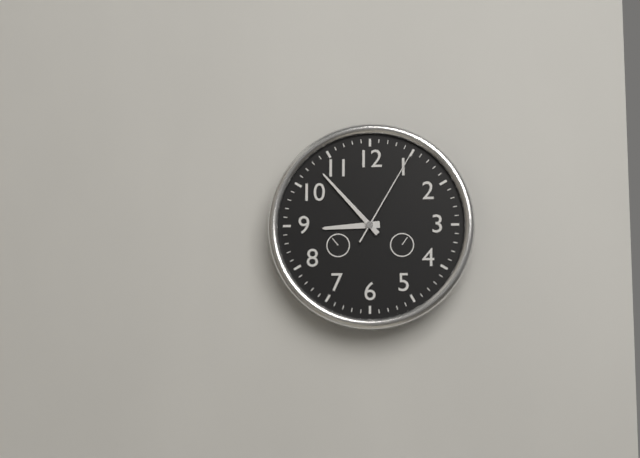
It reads **8:53:05**
